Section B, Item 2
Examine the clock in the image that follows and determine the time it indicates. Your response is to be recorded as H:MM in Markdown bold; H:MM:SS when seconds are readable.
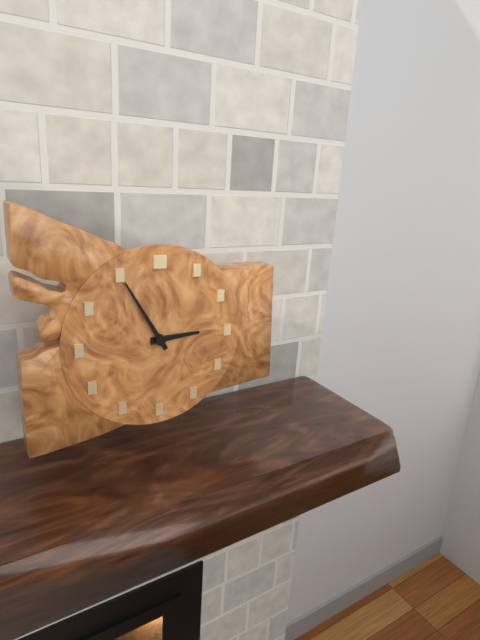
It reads **2:55**
